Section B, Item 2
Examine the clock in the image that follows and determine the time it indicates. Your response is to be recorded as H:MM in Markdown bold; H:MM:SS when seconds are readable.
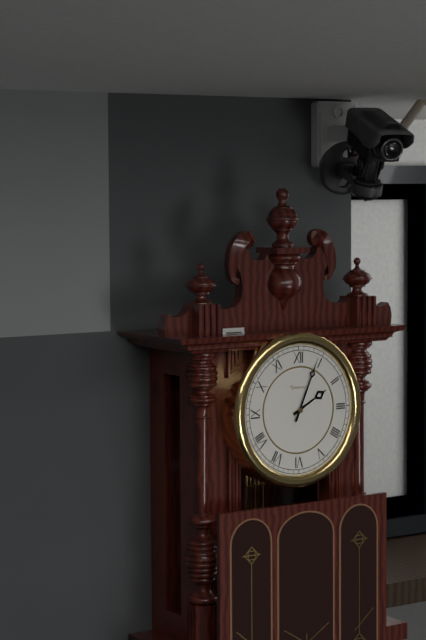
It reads **2:04**
